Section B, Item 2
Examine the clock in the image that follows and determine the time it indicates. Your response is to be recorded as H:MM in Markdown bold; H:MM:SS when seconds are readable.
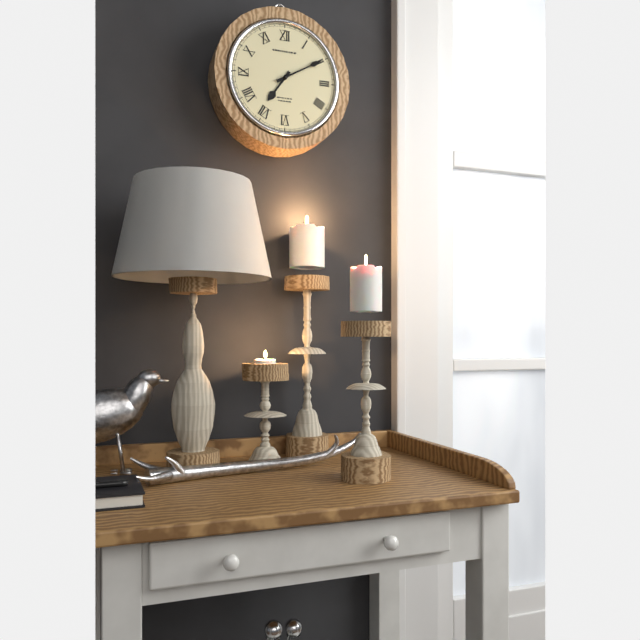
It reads **7:10**
